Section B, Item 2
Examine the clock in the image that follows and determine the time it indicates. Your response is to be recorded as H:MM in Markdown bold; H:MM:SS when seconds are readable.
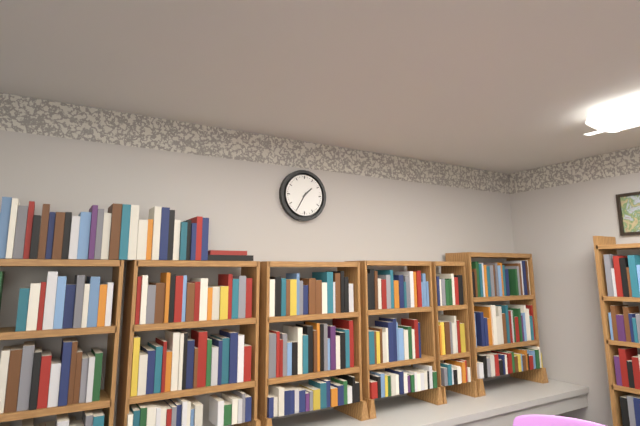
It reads **1:35**
